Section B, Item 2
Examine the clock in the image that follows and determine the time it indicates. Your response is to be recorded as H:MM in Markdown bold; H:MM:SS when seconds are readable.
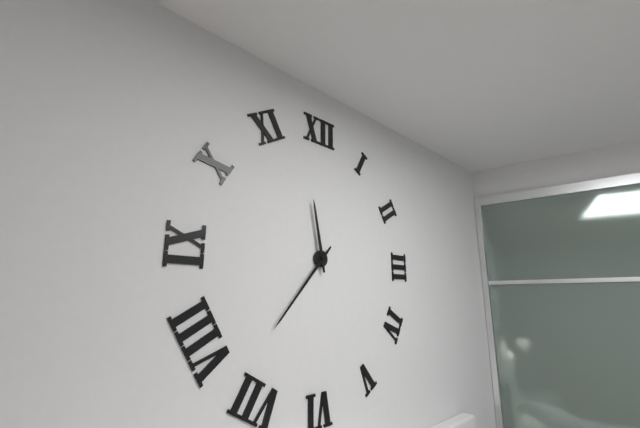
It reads **11:37**
